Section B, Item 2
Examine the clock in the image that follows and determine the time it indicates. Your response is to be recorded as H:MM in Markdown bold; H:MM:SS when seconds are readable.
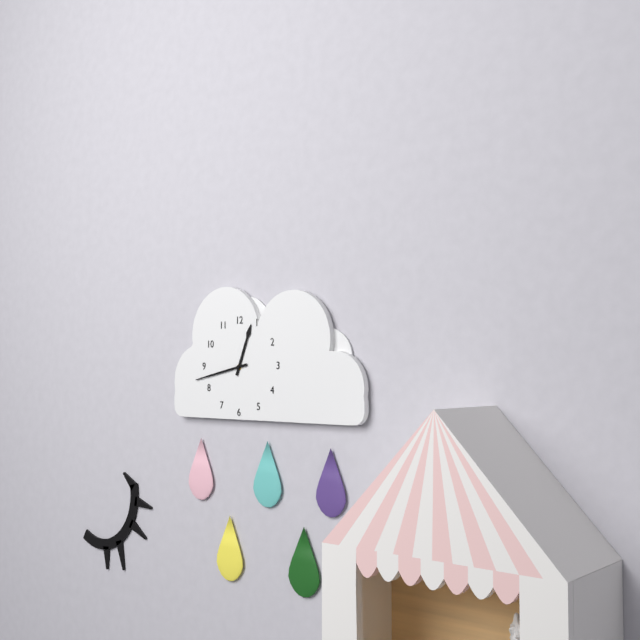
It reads **12:43**
